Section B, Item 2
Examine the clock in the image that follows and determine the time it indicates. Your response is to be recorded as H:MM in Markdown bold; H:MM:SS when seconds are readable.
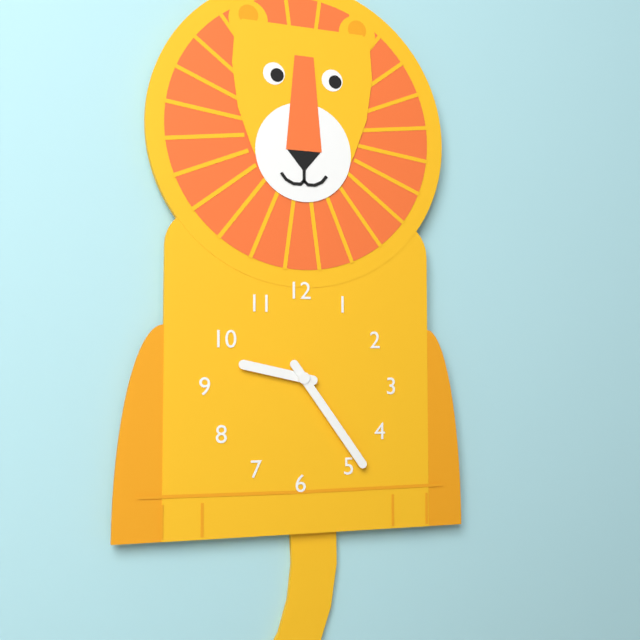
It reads **9:24**
